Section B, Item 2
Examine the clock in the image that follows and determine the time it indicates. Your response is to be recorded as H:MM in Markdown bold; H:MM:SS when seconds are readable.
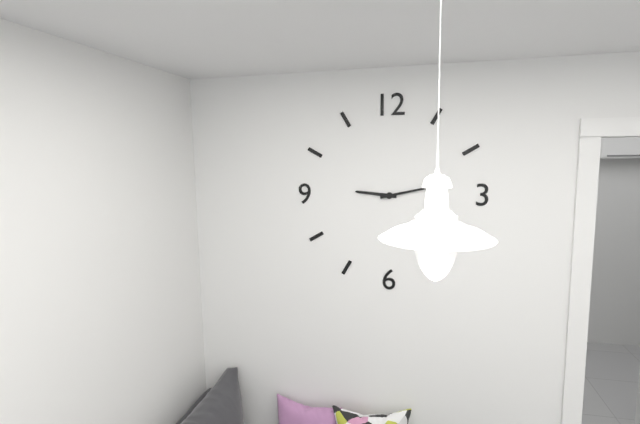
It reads **9:13**
